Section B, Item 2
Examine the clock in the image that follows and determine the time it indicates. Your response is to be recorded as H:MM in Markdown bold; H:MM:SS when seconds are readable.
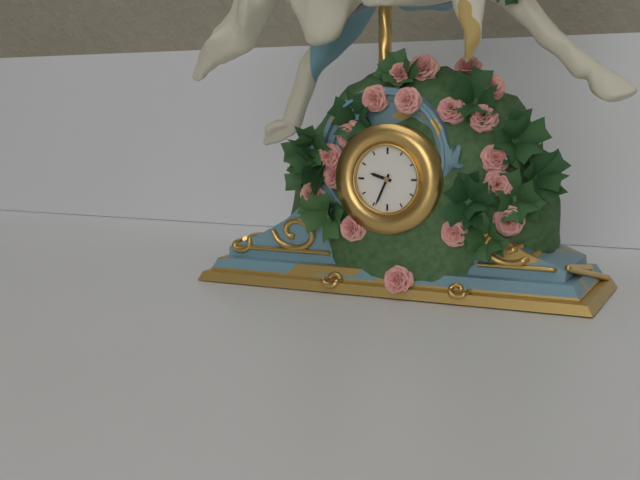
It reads **9:34**
